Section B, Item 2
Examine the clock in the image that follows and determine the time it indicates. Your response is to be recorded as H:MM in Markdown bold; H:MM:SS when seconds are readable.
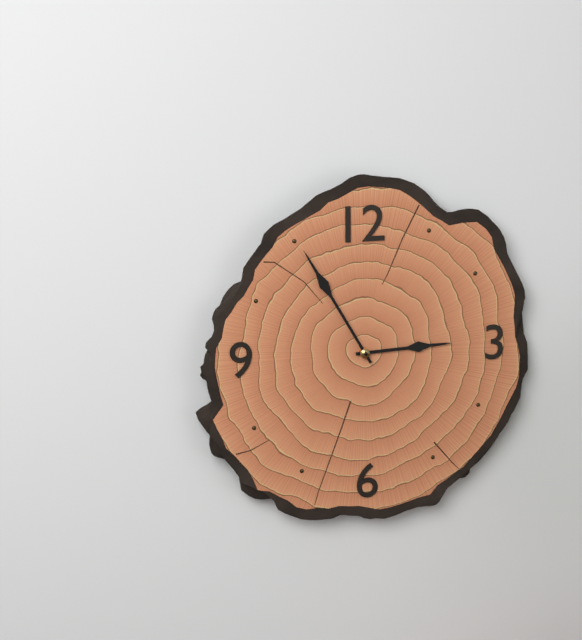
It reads **2:55**
